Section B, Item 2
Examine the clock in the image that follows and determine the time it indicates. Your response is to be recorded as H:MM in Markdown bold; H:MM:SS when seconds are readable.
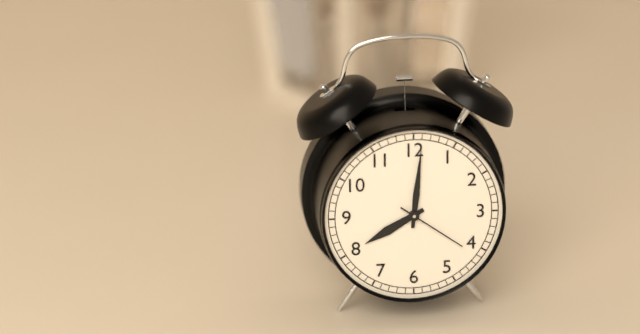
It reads **8:01:21**
